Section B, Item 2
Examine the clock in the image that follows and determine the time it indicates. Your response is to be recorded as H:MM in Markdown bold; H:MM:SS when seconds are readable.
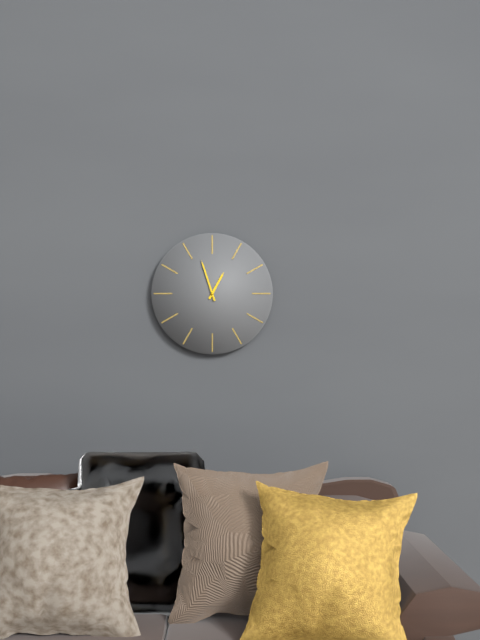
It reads **12:57**
